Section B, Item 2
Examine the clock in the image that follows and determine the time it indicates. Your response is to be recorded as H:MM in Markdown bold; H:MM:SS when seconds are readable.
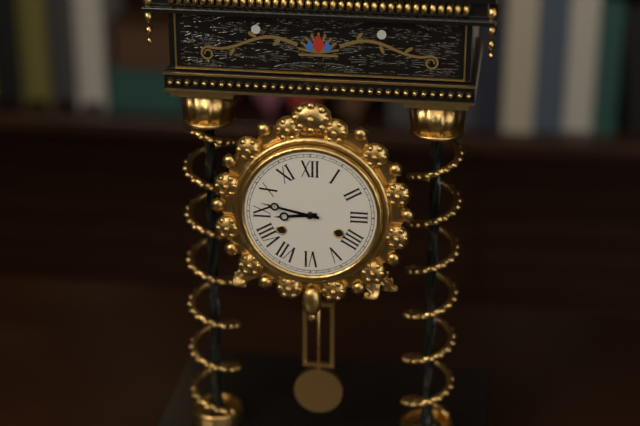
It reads **8:47**
